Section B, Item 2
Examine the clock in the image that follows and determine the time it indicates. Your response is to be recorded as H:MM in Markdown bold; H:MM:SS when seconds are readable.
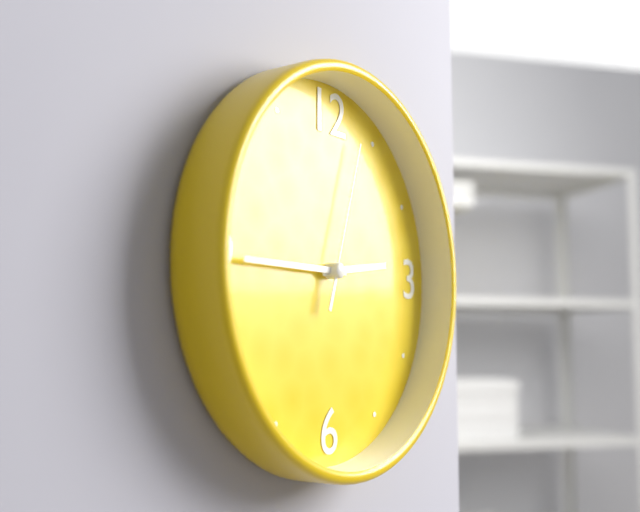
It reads **2:45:03**
